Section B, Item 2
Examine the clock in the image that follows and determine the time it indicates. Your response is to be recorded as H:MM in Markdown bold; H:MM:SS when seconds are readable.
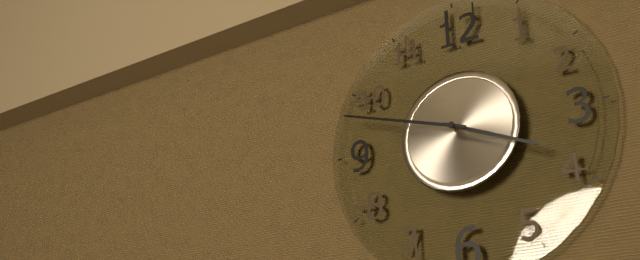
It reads **3:48**
